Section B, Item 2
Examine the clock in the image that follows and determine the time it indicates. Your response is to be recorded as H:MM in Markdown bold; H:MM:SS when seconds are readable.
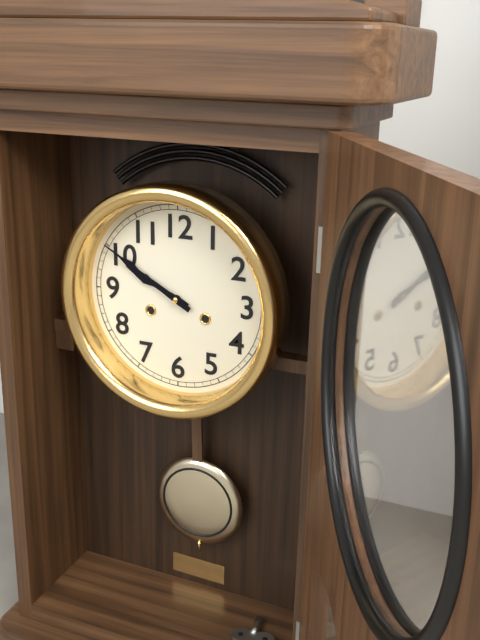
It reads **9:50**
